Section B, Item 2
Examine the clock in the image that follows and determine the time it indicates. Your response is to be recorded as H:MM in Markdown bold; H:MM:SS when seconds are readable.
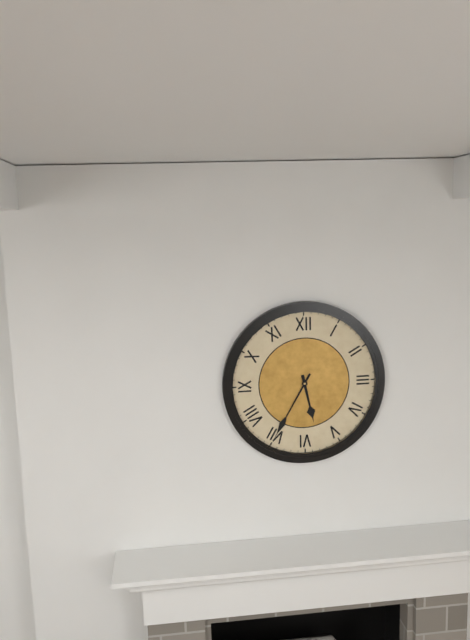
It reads **5:35**
